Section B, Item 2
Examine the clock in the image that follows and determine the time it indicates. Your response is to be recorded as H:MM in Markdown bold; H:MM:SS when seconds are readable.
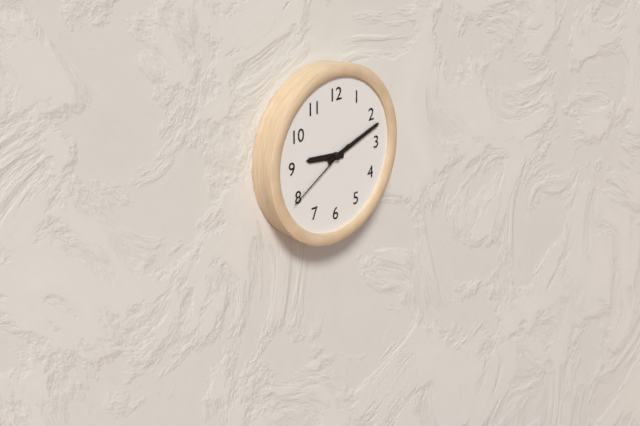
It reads **9:12:40**
